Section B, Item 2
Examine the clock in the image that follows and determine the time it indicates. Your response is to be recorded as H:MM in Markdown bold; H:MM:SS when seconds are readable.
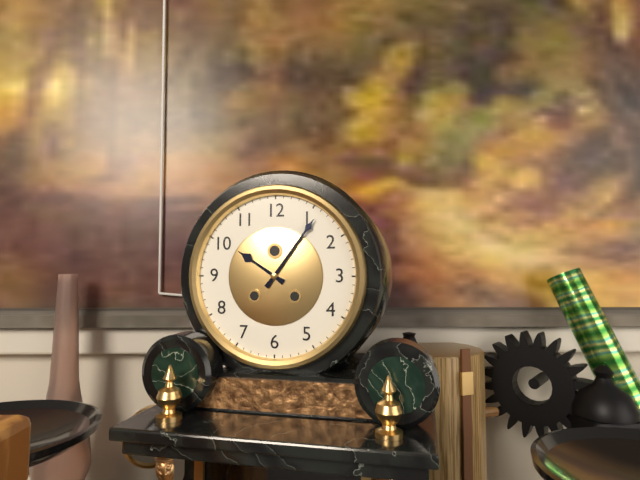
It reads **10:06**
